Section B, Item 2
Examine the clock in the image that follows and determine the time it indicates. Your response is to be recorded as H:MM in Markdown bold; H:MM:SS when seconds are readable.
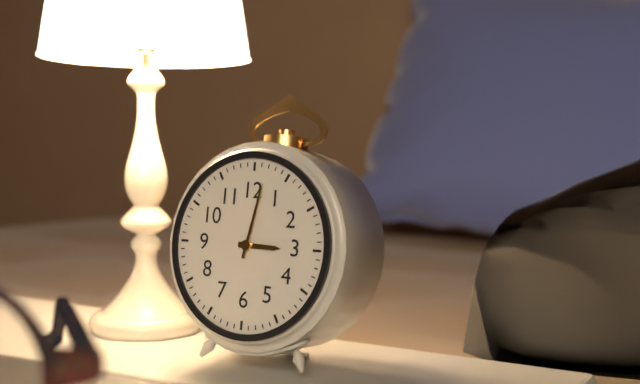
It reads **3:02**
